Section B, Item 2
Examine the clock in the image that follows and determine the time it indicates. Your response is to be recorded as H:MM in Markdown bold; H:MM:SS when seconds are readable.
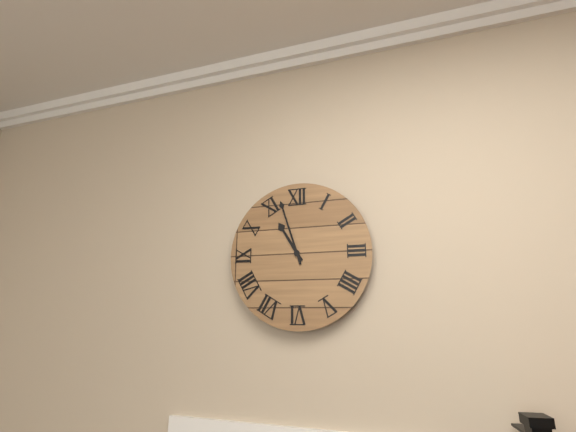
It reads **10:57**
